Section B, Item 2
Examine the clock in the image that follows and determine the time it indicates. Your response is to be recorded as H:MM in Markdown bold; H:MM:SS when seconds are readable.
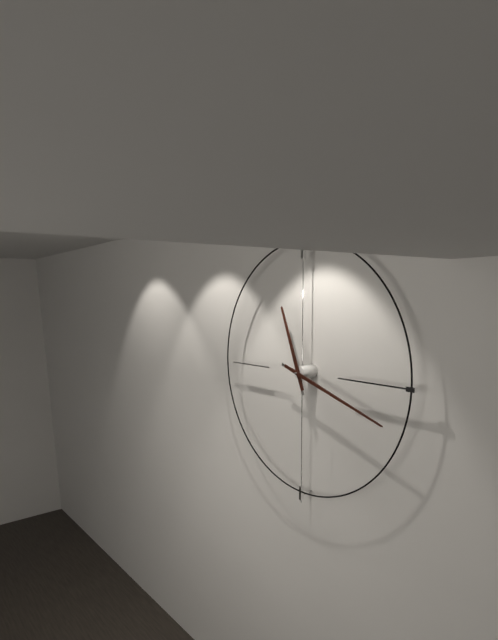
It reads **11:18**
